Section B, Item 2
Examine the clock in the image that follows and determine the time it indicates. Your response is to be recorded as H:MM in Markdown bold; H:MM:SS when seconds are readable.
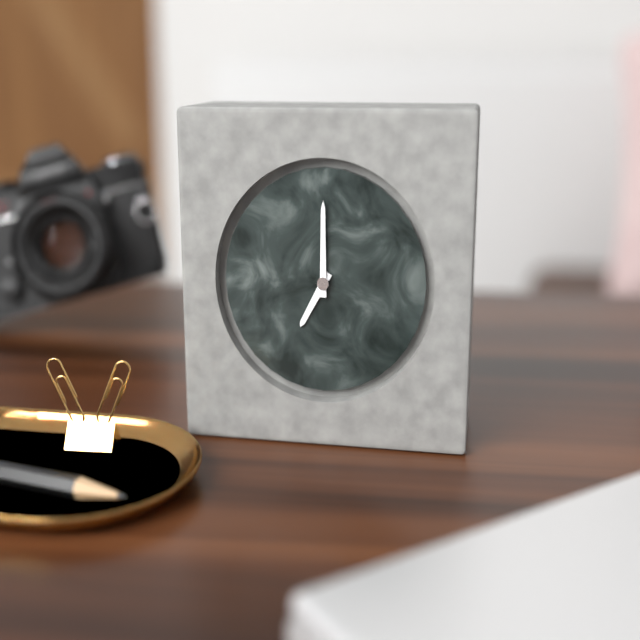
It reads **7:00**
